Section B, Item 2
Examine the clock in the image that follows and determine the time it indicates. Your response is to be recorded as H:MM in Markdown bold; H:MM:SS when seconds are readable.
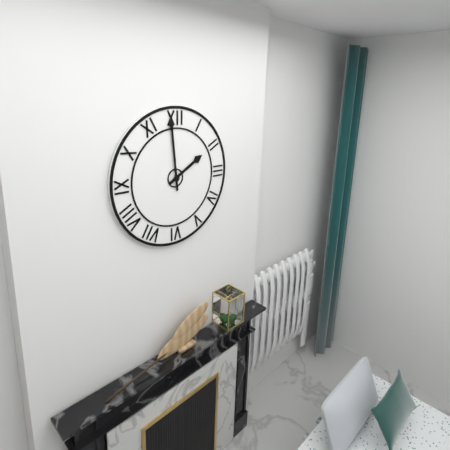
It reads **1:59**
